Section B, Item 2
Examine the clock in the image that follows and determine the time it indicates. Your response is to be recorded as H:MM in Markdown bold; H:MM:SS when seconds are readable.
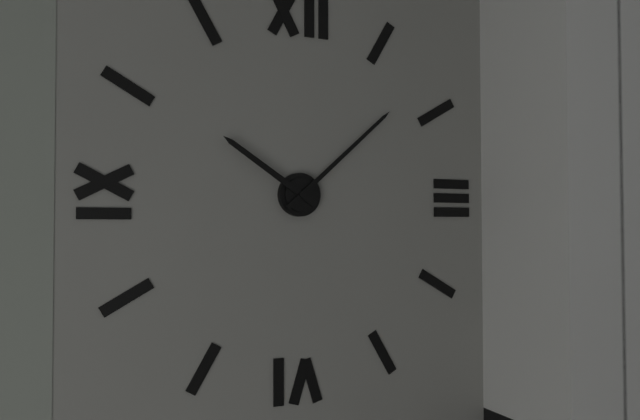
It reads **10:08**
